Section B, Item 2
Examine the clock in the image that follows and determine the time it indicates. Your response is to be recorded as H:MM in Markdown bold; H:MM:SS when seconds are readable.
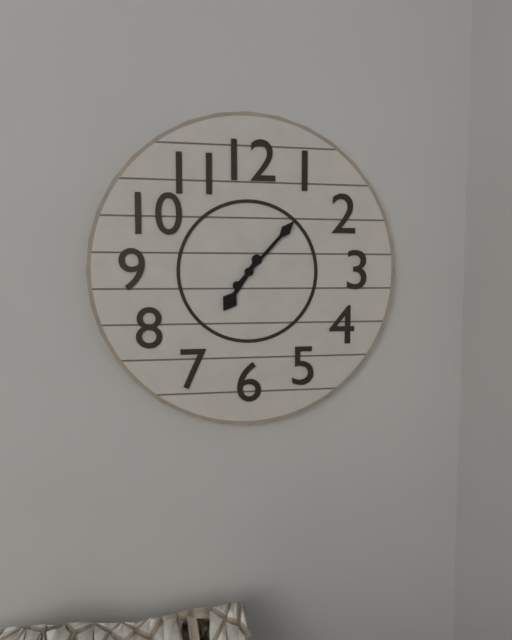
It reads **7:07**
